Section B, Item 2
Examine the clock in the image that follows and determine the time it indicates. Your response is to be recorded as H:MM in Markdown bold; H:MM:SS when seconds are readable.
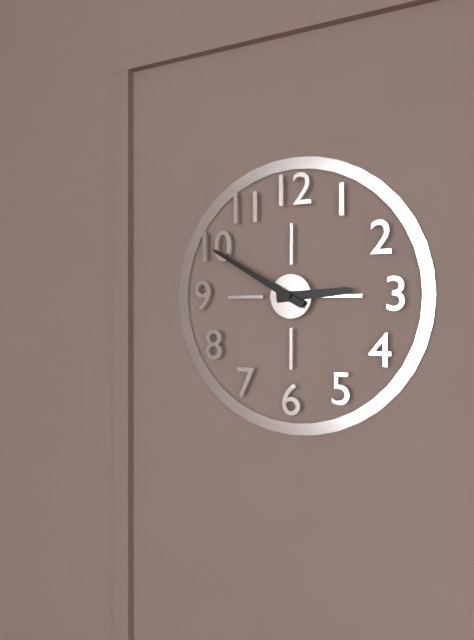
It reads **2:50**
